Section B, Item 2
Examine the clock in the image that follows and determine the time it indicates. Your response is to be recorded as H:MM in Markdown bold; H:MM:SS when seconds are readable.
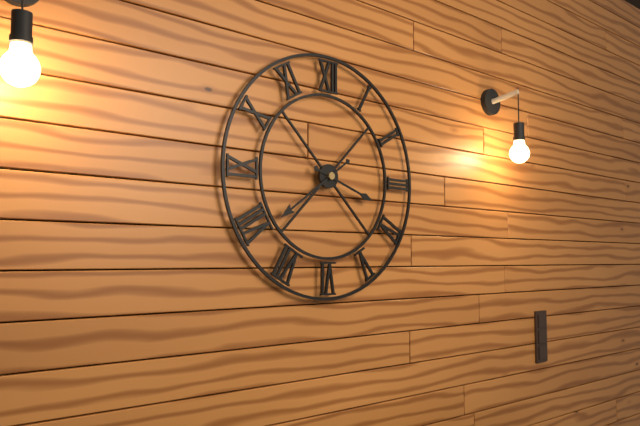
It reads **3:39**
